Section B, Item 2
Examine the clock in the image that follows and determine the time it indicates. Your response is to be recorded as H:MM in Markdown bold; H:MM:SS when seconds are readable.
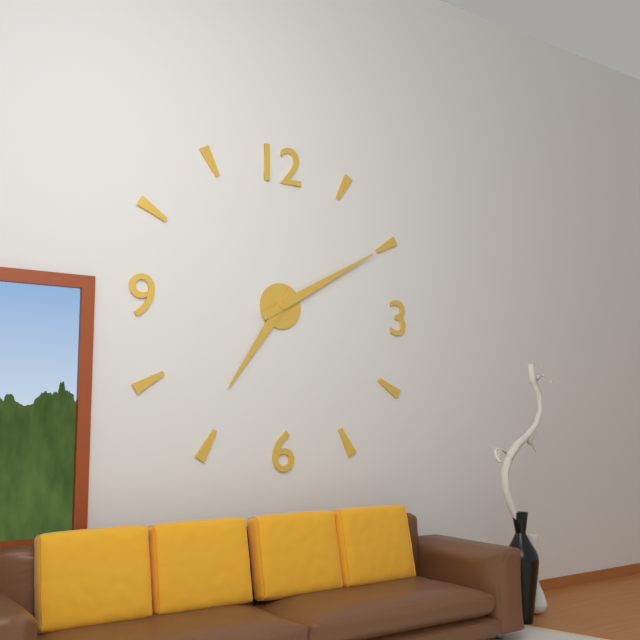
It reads **7:10**
